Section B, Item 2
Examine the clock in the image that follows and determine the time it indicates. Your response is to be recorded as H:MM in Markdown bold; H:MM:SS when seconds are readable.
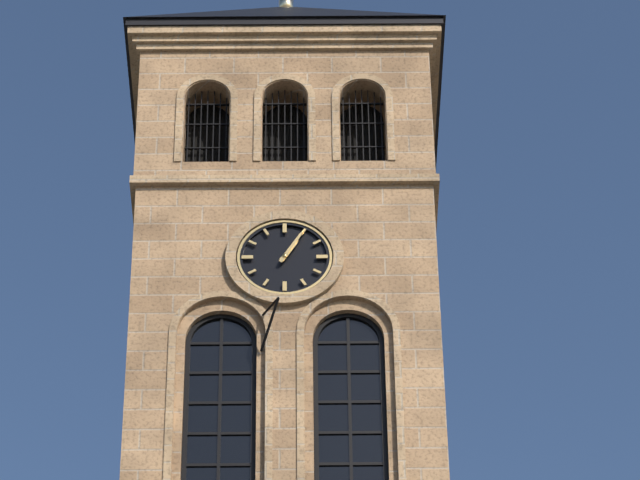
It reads **1:05**
